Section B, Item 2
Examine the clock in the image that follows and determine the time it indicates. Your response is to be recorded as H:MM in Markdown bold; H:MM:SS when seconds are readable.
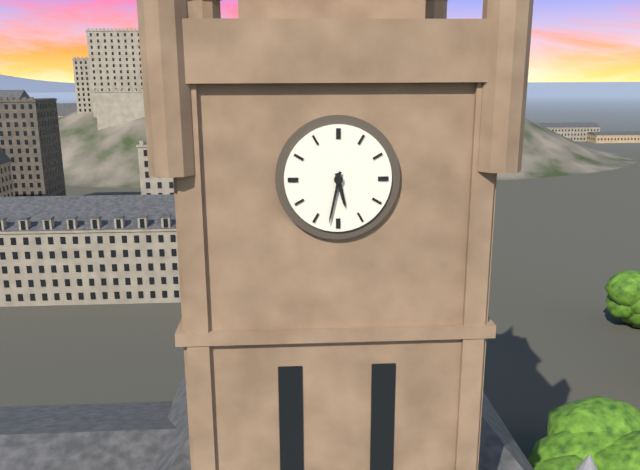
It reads **5:32**
